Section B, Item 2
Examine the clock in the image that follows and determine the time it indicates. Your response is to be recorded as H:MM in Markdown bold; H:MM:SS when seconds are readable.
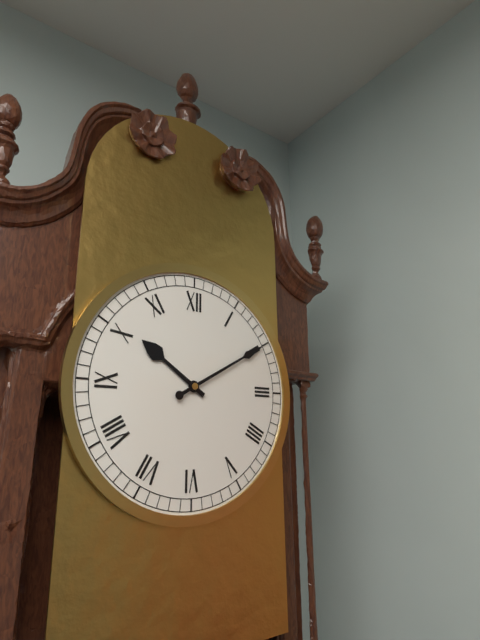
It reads **10:10**
